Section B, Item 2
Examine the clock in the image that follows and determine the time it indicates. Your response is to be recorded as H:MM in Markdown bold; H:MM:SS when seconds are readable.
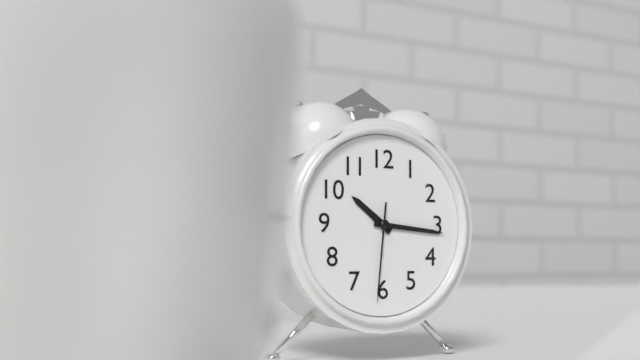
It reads **10:16:31**
